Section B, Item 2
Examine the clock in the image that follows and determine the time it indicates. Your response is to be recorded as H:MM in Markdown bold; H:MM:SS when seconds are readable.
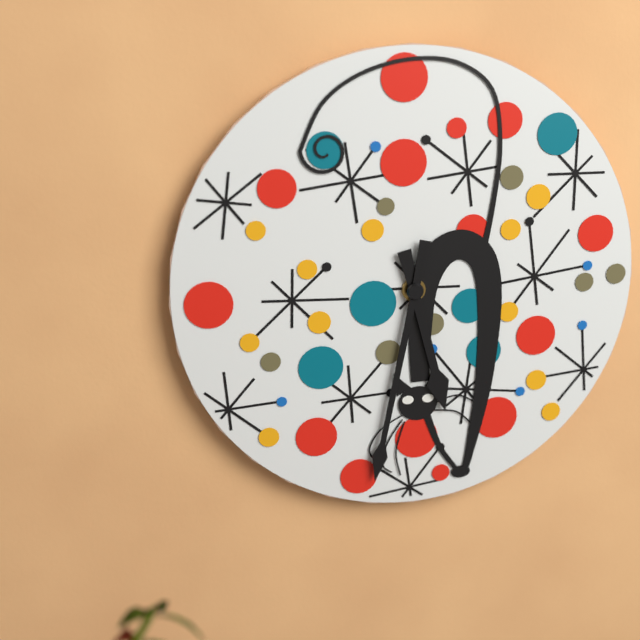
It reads **5:32**
